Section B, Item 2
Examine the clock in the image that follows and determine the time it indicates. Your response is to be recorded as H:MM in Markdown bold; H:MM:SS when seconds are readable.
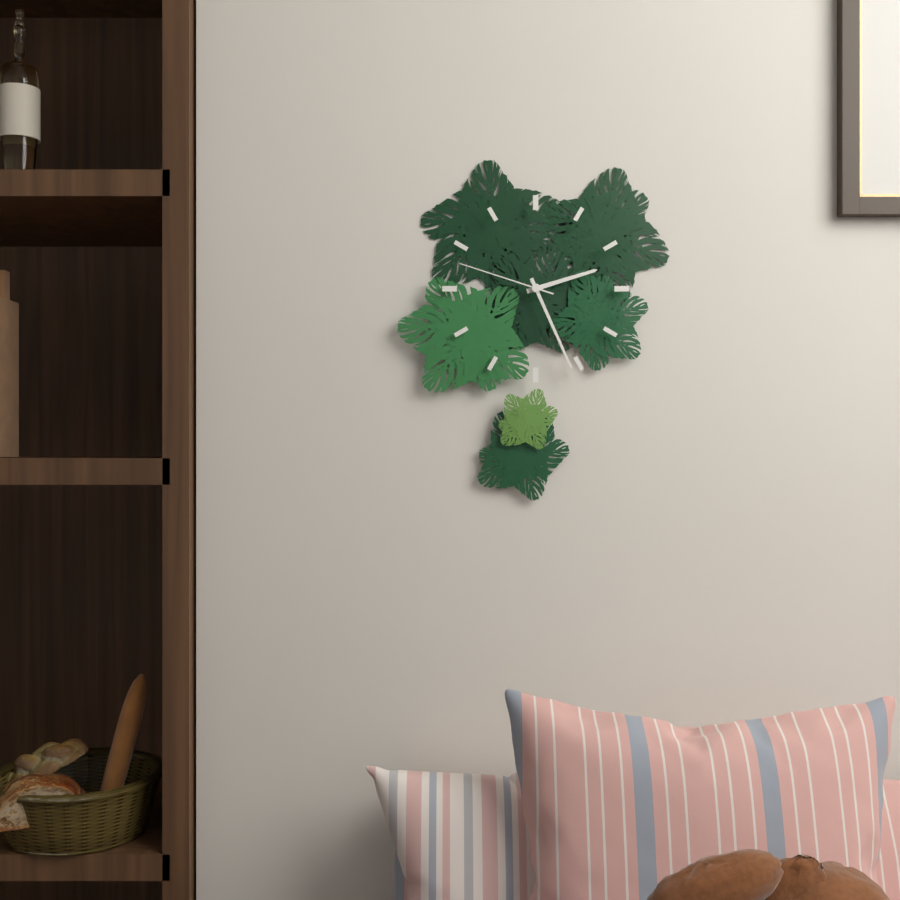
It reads **2:26:48**
